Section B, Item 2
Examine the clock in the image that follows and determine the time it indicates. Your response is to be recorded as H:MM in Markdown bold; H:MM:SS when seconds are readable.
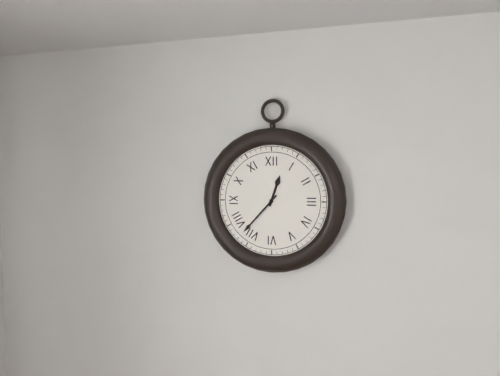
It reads **12:37**
